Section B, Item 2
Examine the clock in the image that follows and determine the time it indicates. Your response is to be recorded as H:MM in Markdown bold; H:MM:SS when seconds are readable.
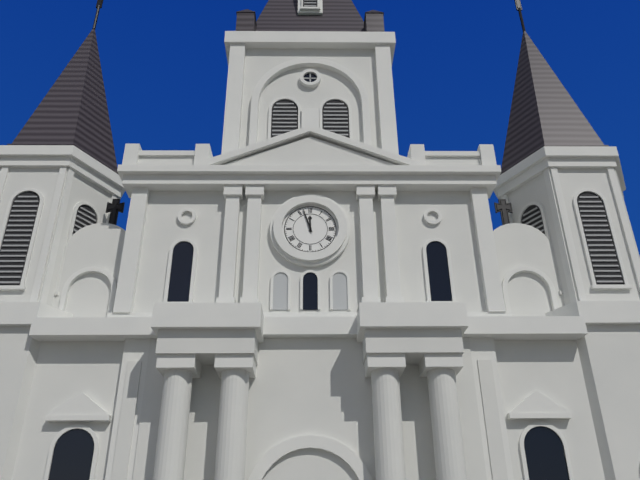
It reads **11:57**
